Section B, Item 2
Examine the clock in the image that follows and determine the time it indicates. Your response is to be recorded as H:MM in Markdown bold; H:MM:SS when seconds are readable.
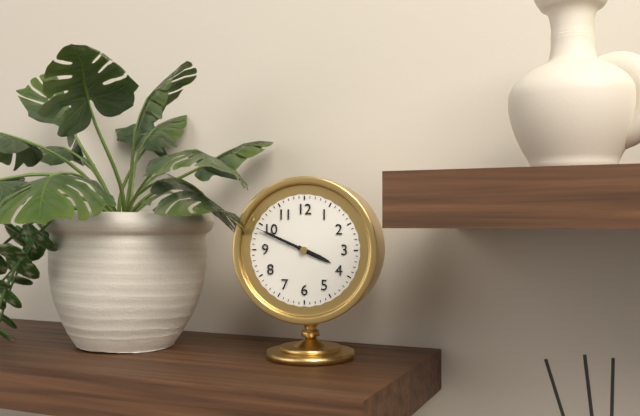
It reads **3:49:49**
